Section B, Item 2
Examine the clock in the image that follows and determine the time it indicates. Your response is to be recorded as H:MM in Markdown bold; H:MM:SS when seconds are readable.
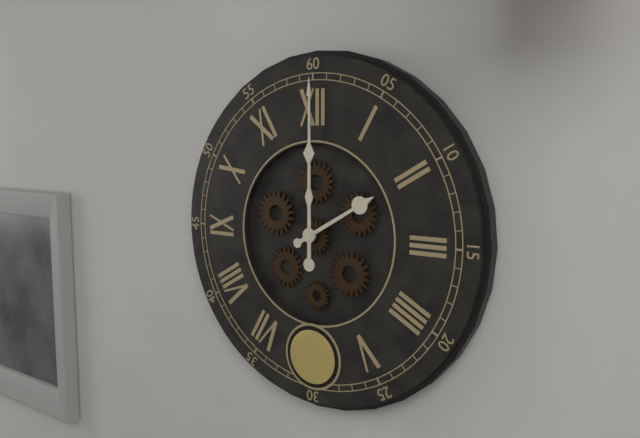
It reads **2:00**
